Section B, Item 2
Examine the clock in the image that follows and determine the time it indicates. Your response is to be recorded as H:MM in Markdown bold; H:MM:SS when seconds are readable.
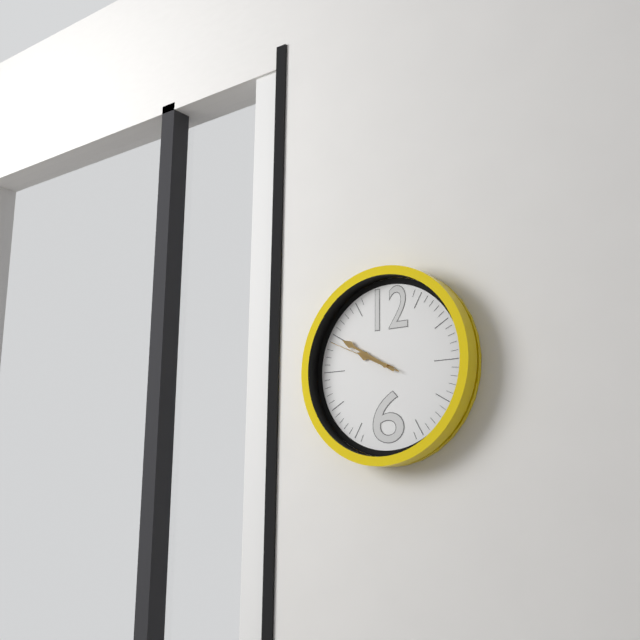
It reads **9:50:49**
